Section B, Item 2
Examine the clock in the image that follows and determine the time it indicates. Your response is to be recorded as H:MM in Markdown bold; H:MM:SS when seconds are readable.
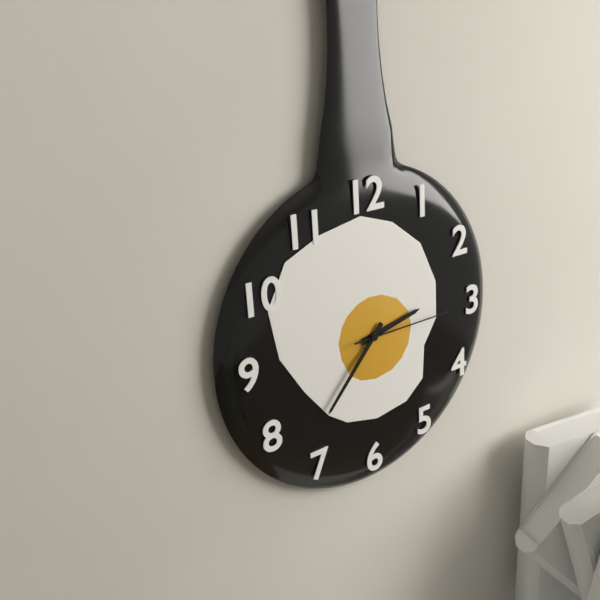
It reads **2:37:15**
